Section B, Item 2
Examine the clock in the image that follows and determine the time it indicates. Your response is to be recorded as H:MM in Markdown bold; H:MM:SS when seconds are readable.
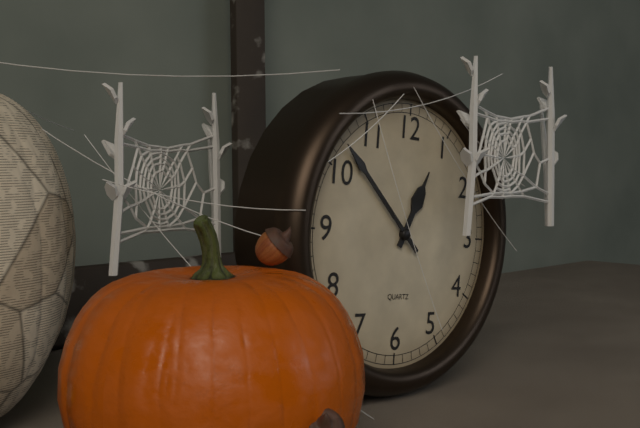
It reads **12:52**
